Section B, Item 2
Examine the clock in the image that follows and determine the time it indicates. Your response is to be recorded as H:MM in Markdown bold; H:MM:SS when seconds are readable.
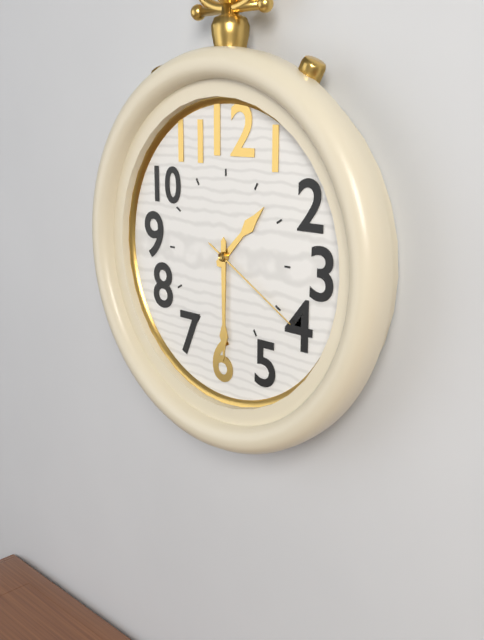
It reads **1:30:20**
